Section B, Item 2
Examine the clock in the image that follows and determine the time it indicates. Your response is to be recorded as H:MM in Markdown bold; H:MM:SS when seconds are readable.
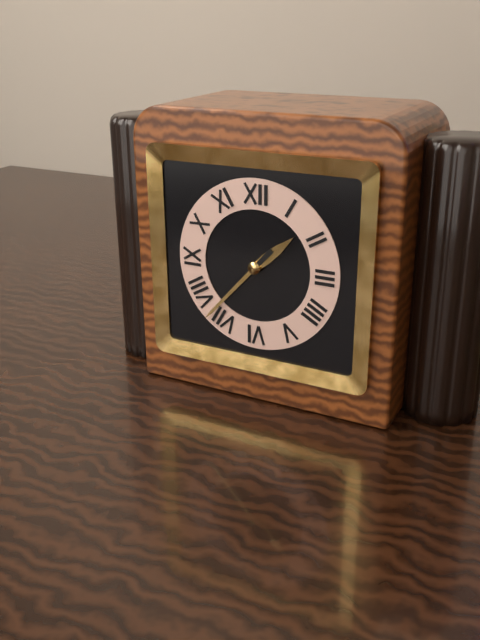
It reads **1:37**
